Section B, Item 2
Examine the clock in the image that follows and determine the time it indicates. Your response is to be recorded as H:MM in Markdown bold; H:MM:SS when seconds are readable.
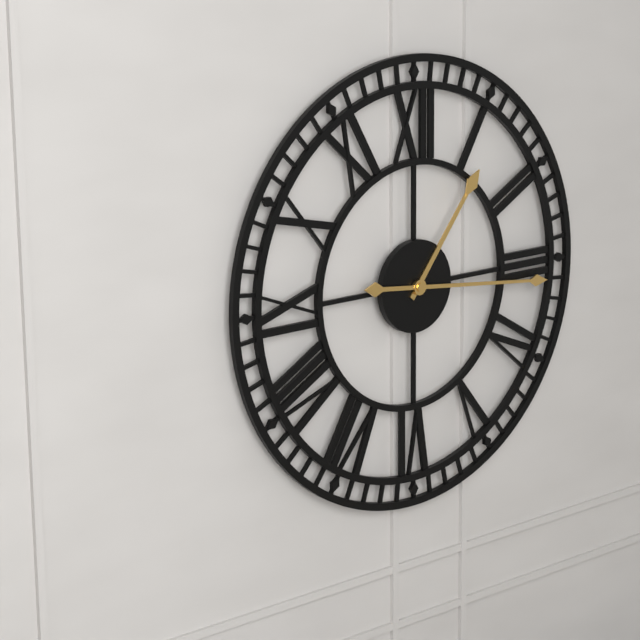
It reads **1:16**
